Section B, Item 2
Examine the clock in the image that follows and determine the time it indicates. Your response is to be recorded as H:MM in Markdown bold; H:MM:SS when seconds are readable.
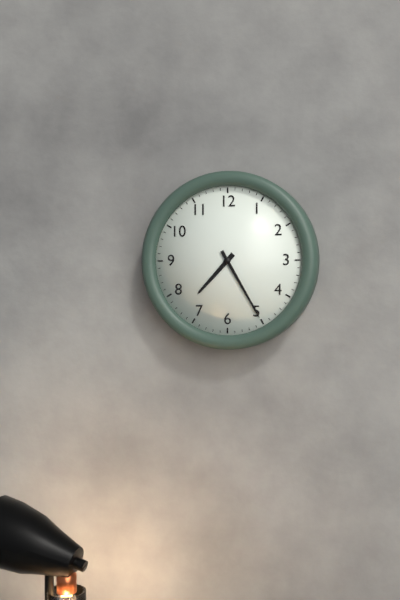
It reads **7:25**
